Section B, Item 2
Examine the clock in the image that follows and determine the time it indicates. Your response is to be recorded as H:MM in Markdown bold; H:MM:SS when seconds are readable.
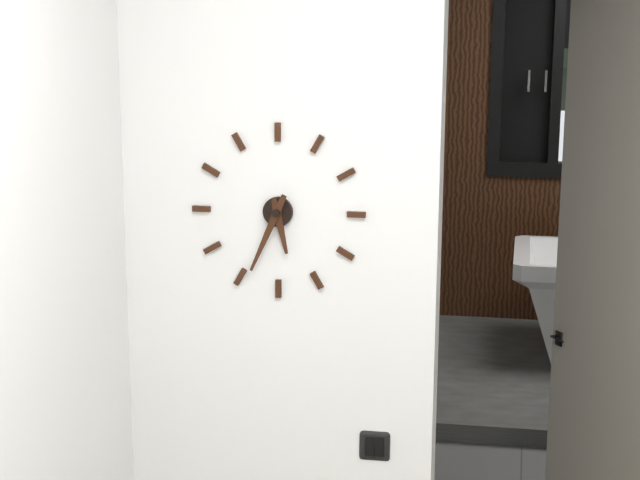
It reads **5:34**
